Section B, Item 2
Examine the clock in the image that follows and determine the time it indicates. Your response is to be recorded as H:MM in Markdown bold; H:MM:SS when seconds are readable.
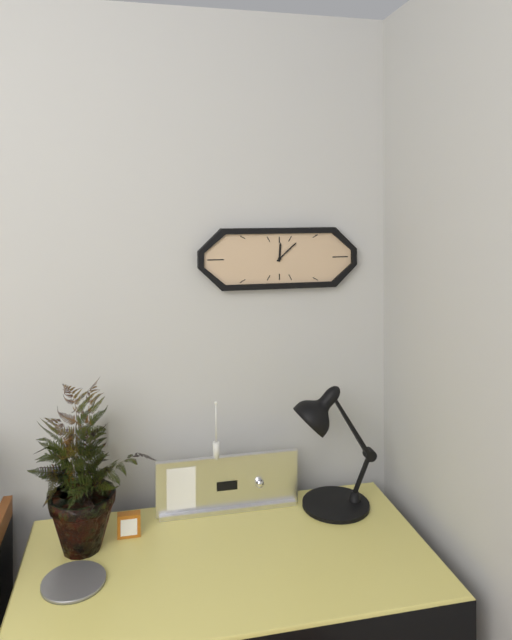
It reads **12:08**
